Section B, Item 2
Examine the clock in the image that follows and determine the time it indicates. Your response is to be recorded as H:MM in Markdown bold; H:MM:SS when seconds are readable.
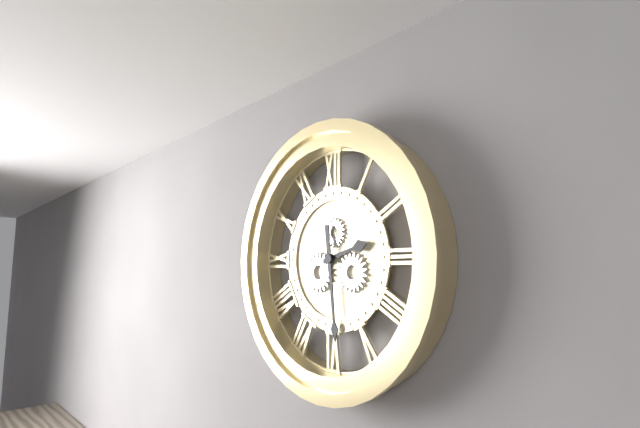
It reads **2:29**
